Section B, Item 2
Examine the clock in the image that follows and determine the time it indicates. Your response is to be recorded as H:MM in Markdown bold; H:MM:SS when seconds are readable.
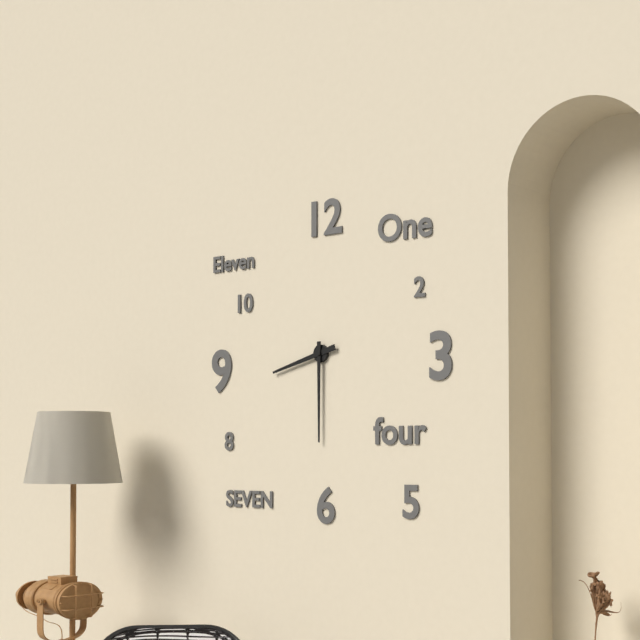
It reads **8:30**
